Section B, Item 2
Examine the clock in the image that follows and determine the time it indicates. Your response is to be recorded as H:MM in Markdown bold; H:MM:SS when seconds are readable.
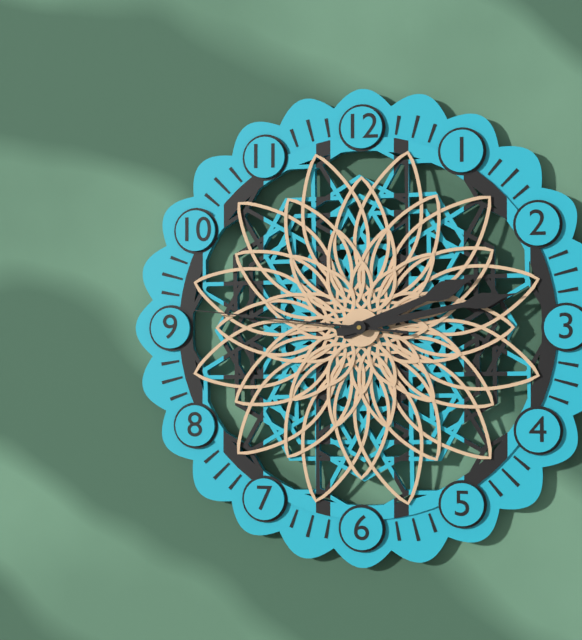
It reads **2:13:46**
